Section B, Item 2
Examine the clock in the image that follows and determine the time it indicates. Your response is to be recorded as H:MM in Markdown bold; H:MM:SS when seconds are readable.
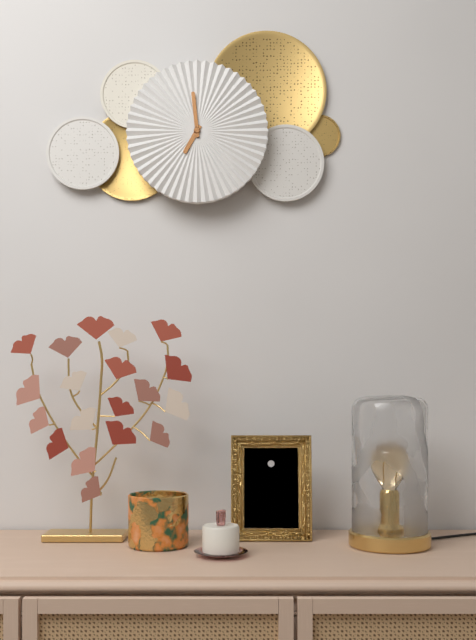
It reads **6:59**
